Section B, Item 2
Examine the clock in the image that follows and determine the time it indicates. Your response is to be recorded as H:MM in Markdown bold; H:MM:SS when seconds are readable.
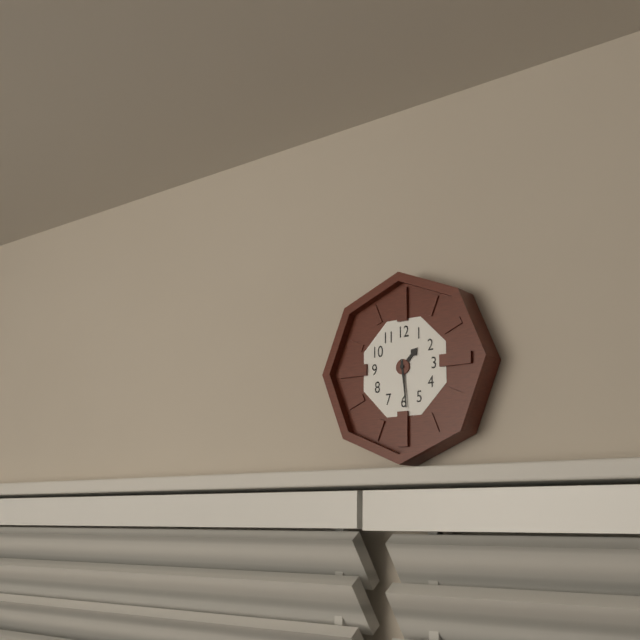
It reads **1:29**
